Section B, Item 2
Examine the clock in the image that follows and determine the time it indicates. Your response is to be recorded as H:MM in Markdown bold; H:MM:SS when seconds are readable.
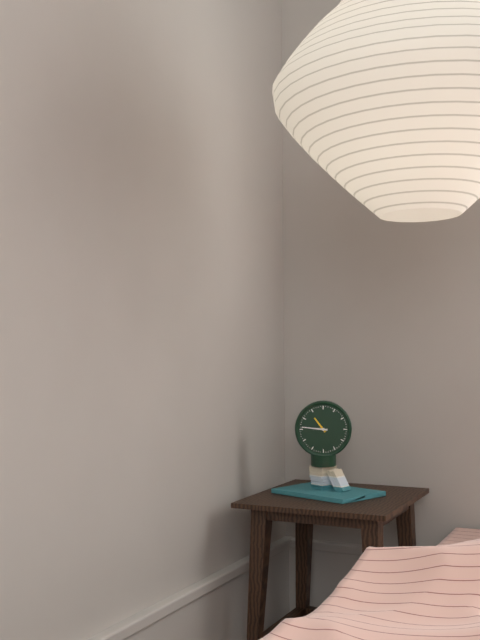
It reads **10:46**
